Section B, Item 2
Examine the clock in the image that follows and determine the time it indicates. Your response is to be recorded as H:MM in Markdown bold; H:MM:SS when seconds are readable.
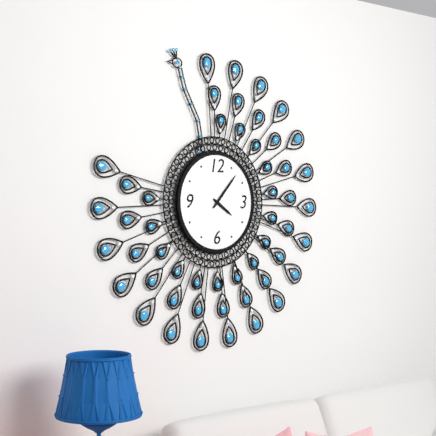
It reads **4:07**
